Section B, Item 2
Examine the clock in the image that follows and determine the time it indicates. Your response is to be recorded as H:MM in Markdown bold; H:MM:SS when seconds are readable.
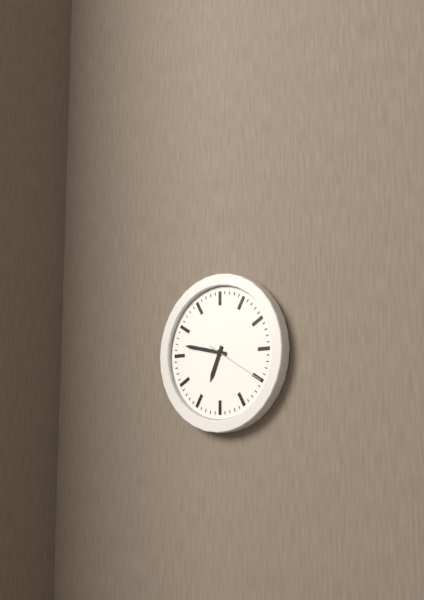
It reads **6:47:20**
